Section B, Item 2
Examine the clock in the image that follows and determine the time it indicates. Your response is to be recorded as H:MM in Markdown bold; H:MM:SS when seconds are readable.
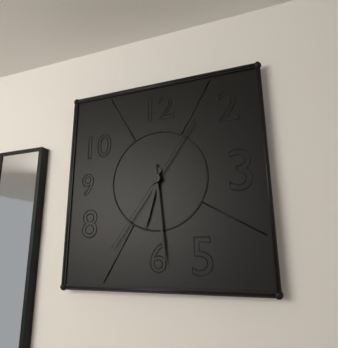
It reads **6:29:36**
